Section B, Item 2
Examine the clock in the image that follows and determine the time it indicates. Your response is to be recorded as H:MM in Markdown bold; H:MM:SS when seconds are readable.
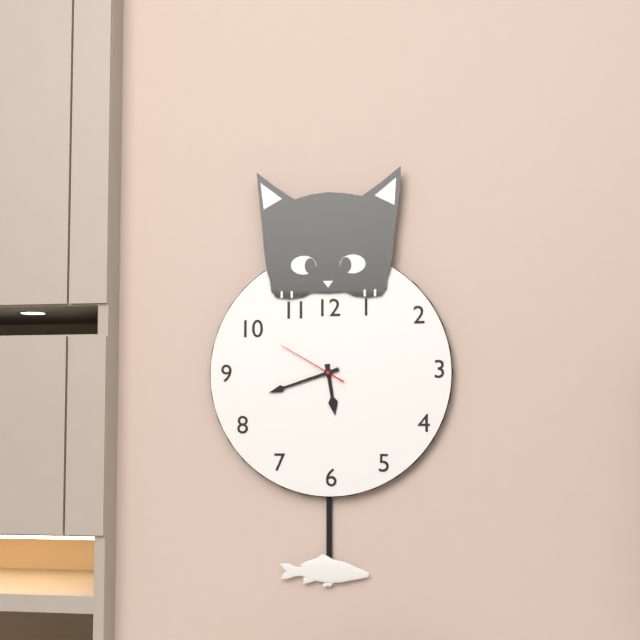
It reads **5:42:50**
